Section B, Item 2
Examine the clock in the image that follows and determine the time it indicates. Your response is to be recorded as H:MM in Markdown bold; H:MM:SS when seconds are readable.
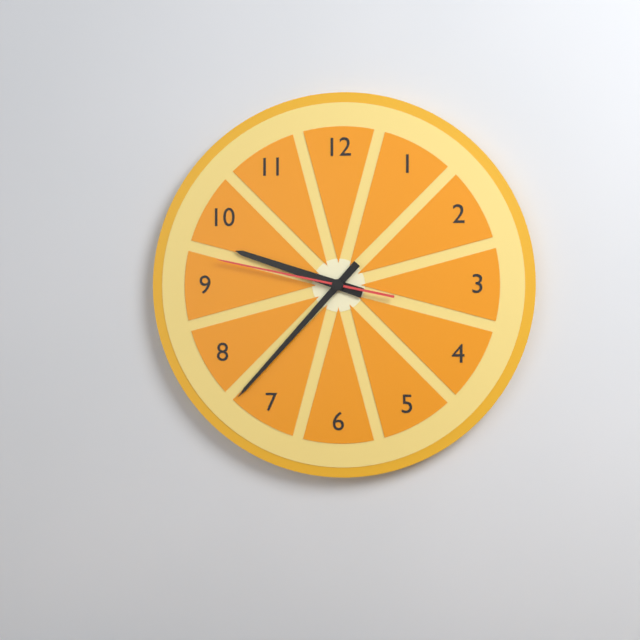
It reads **9:37:47**
